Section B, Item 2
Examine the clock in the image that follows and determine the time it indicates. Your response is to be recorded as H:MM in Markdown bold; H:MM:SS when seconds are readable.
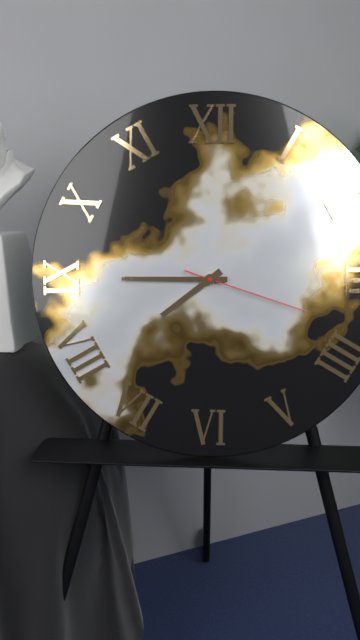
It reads **7:45:18**
